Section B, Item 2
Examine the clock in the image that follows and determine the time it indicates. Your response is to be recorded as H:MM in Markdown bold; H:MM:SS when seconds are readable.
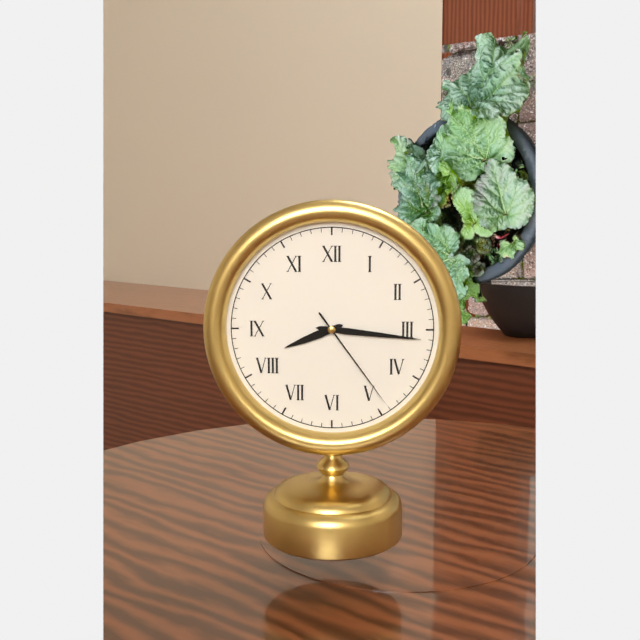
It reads **8:16:24**
